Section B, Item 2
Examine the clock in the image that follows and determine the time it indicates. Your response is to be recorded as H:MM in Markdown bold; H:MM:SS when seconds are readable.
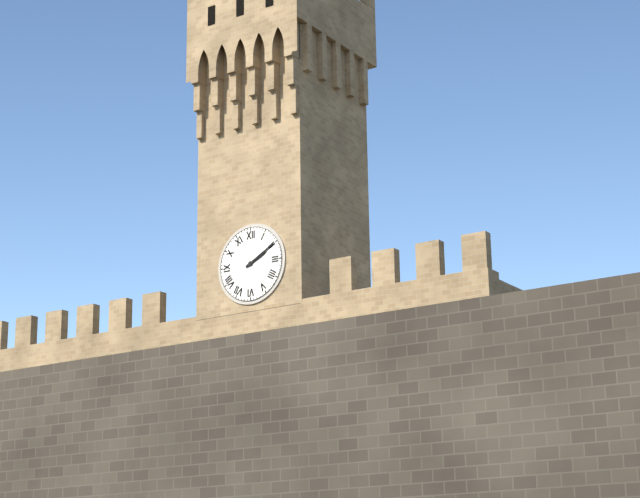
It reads **2:10**
